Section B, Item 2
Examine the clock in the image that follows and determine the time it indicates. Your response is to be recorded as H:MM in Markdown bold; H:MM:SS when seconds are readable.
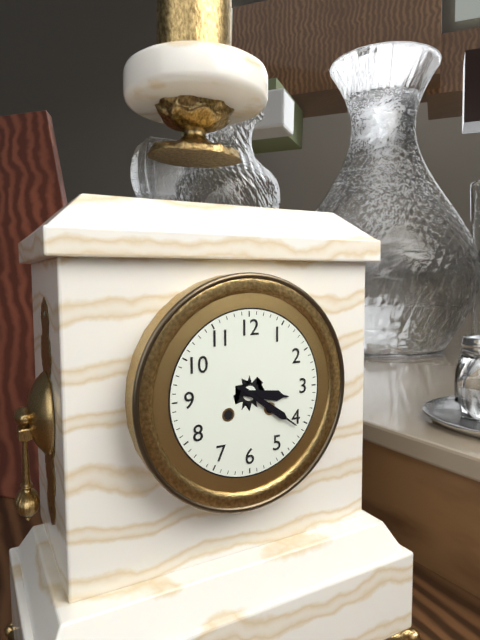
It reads **3:21**
